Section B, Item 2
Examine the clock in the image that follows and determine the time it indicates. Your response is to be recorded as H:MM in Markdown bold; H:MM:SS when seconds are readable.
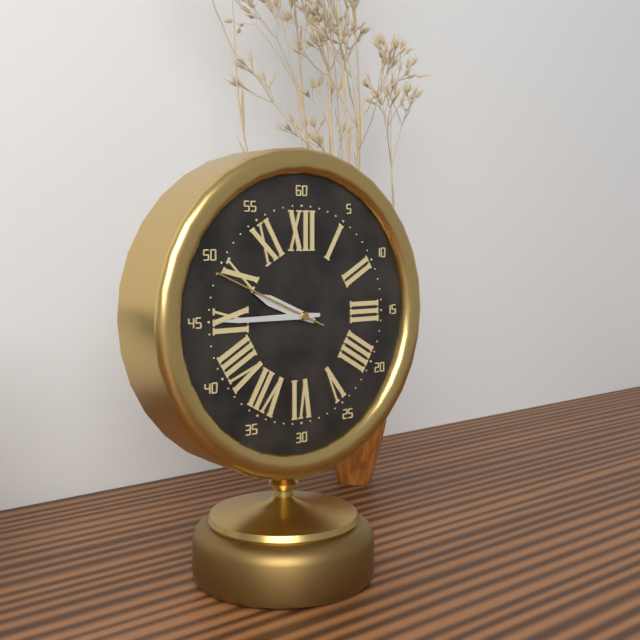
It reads **9:45:49**
